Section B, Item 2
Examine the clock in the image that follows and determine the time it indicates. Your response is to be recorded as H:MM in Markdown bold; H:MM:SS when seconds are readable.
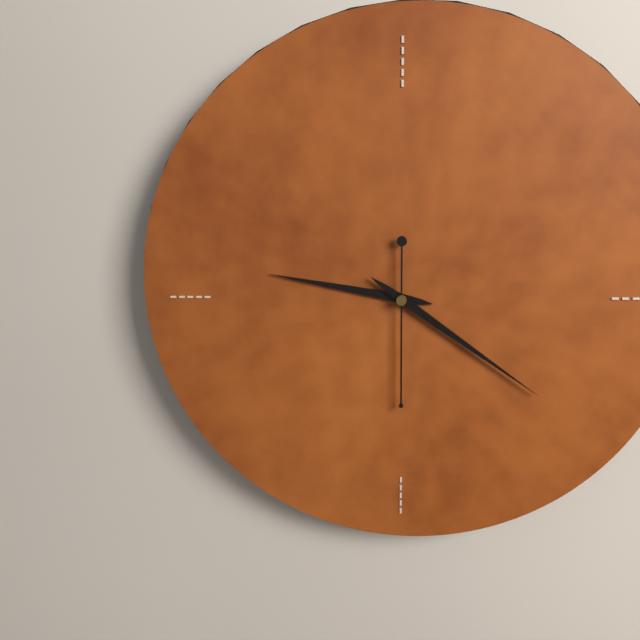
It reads **9:21:30**
